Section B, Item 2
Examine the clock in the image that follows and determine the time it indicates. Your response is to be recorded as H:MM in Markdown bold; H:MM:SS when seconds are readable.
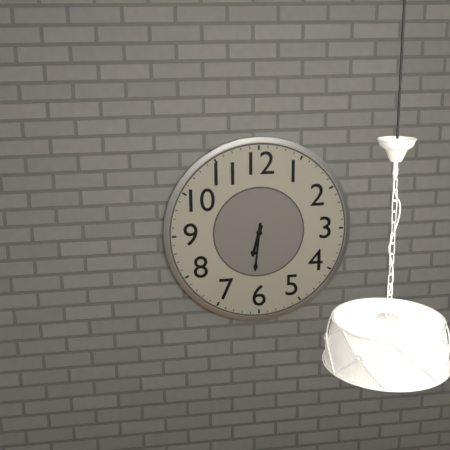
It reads **6:31**
